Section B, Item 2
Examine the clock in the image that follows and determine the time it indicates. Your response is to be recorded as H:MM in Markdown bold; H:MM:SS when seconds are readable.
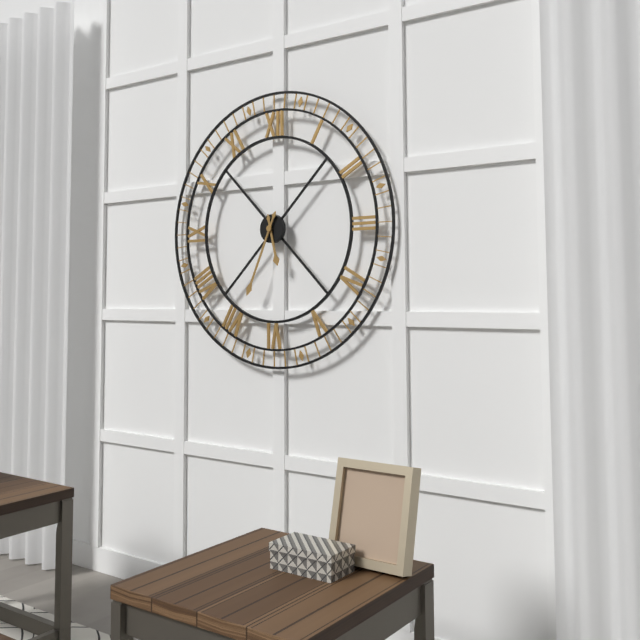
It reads **5:34**
